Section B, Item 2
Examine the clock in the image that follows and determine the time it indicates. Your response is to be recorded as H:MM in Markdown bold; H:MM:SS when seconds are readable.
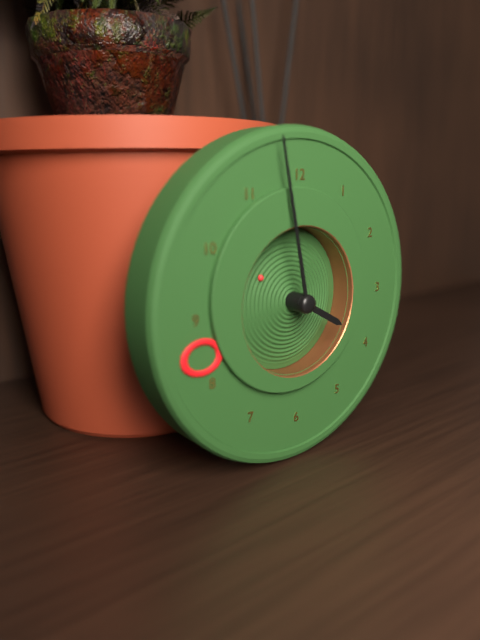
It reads **3:58**
